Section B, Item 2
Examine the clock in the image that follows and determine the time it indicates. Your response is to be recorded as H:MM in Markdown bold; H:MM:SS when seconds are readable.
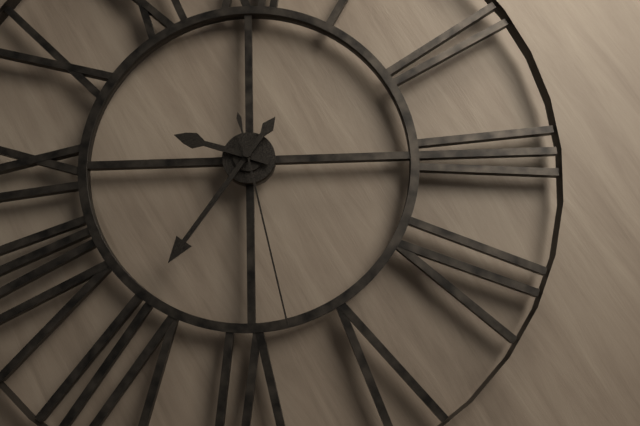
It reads **9:36:28**
